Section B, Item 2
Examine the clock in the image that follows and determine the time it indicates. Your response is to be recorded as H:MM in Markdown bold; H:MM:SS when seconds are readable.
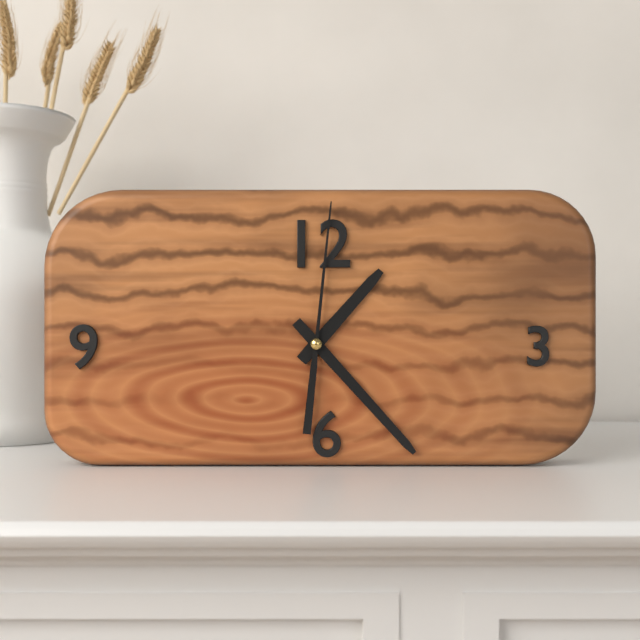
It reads **1:23:01**
